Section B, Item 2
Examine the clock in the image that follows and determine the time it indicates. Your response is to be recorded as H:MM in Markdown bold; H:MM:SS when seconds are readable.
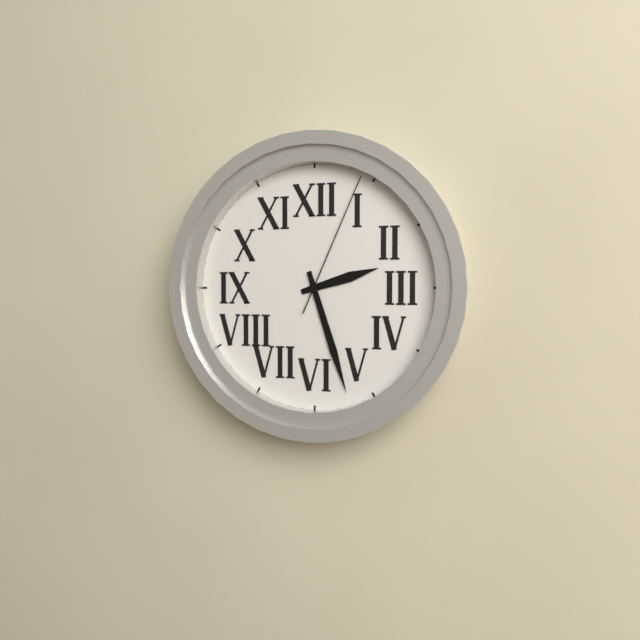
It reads **2:27:04**
